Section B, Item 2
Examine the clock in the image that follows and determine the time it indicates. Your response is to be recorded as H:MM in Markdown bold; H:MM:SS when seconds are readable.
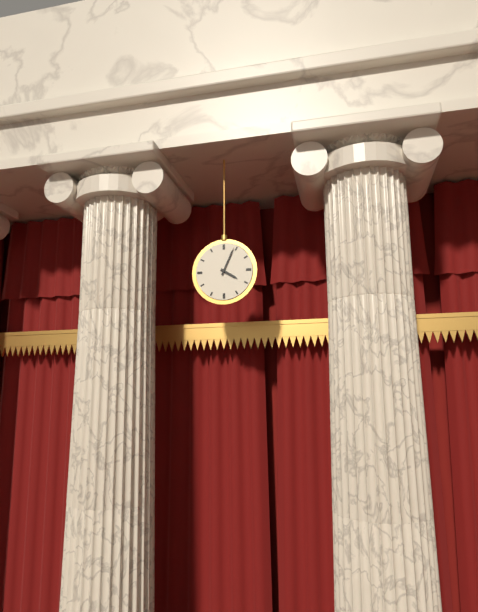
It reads **4:04**
